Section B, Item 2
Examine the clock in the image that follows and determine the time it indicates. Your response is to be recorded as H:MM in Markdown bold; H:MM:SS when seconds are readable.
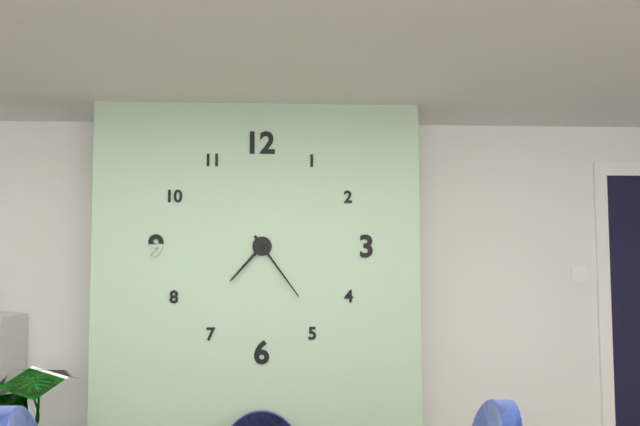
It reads **7:24**
